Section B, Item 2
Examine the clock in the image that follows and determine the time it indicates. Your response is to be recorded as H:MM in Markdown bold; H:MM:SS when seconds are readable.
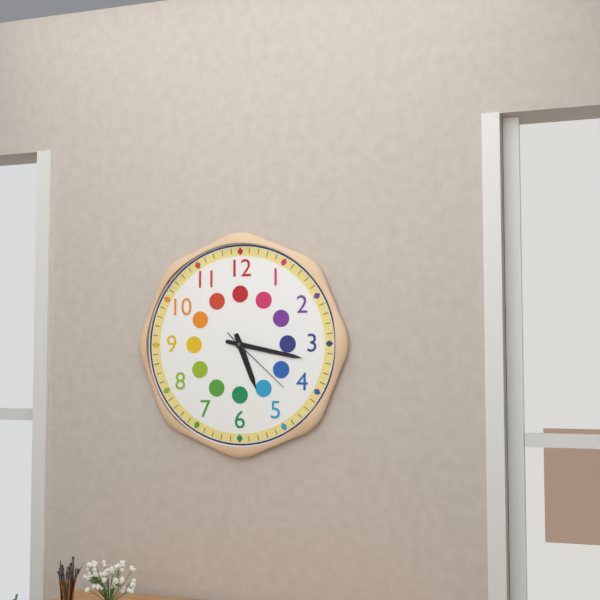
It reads **5:17:22**
